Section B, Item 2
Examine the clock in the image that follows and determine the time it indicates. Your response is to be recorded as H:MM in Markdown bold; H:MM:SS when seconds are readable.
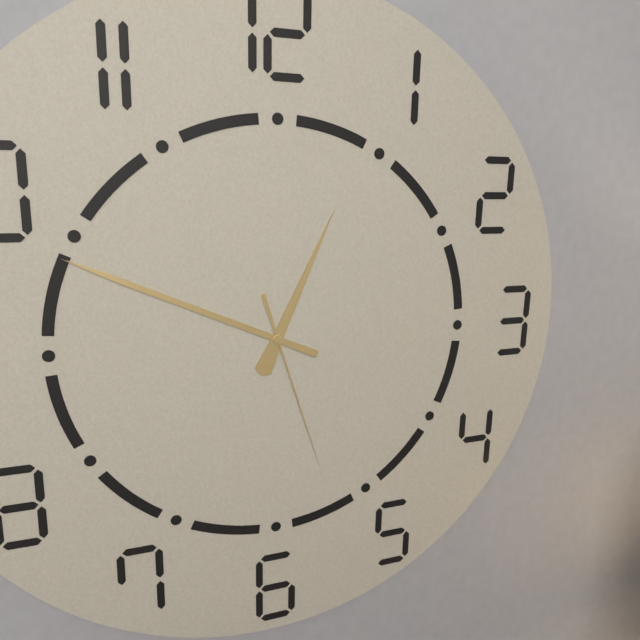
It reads **12:49:27**
